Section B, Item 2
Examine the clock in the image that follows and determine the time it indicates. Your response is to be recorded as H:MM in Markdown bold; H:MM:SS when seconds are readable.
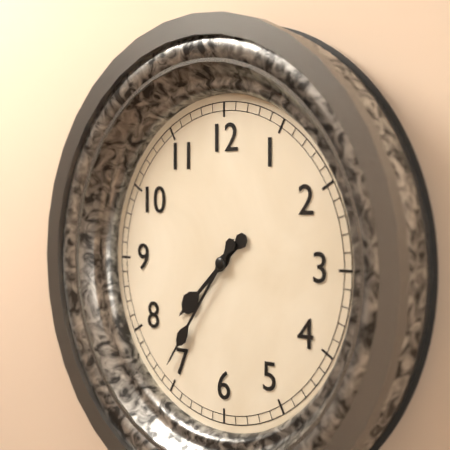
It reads **7:36**
